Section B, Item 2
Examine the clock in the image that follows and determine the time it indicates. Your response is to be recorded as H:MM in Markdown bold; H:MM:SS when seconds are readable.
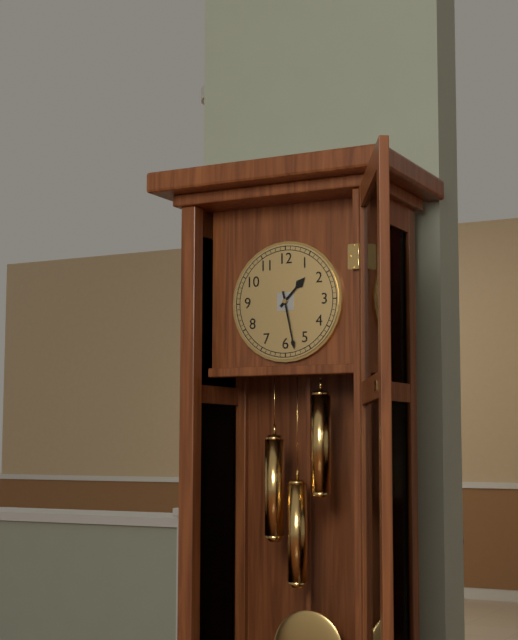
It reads **1:28**
